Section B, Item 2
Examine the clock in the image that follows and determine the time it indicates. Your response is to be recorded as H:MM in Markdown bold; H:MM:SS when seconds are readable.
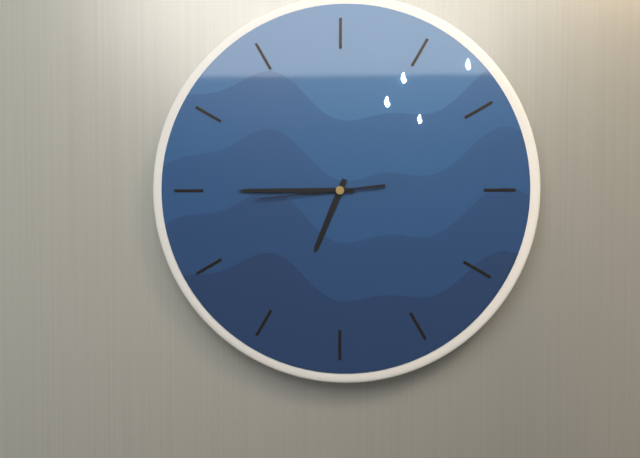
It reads **6:45:44**
